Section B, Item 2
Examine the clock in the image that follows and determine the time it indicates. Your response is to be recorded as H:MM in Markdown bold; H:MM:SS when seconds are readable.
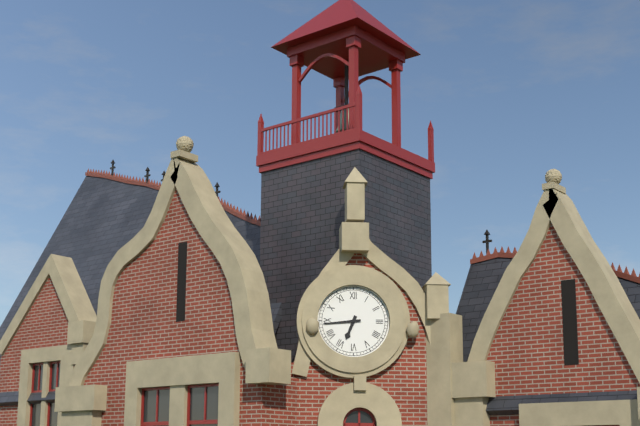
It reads **6:44**
